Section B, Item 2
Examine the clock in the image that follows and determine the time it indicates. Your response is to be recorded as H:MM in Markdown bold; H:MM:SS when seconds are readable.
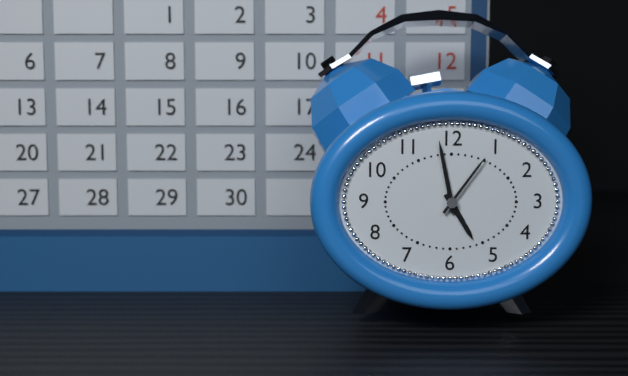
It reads **4:58:06**
